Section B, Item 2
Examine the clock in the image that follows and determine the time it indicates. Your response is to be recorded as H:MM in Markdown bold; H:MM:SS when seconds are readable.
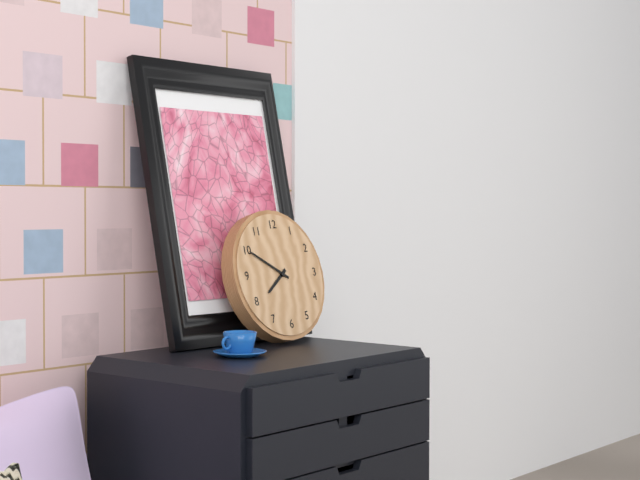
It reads **7:50**
